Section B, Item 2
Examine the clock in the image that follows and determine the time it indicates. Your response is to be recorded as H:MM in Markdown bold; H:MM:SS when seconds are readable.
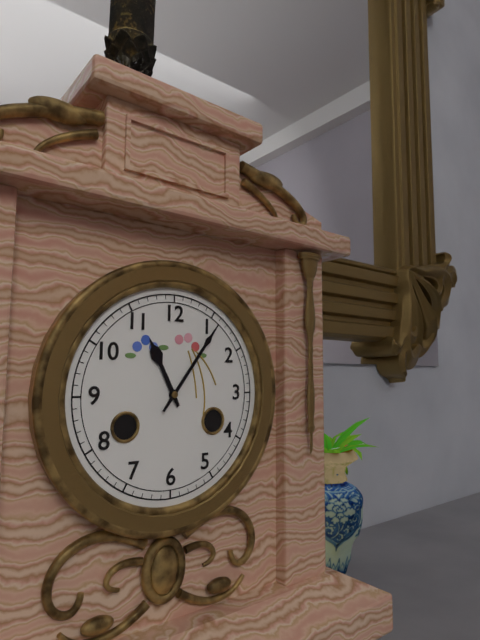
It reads **11:06**
